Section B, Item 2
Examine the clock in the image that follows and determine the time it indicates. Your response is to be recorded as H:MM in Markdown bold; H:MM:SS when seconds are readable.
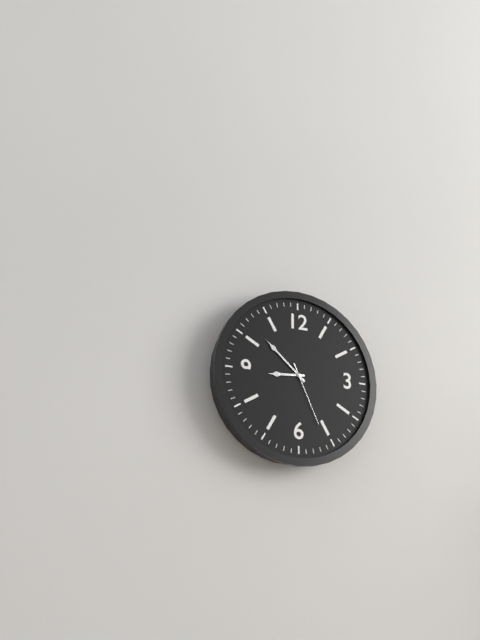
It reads **8:52:26**
